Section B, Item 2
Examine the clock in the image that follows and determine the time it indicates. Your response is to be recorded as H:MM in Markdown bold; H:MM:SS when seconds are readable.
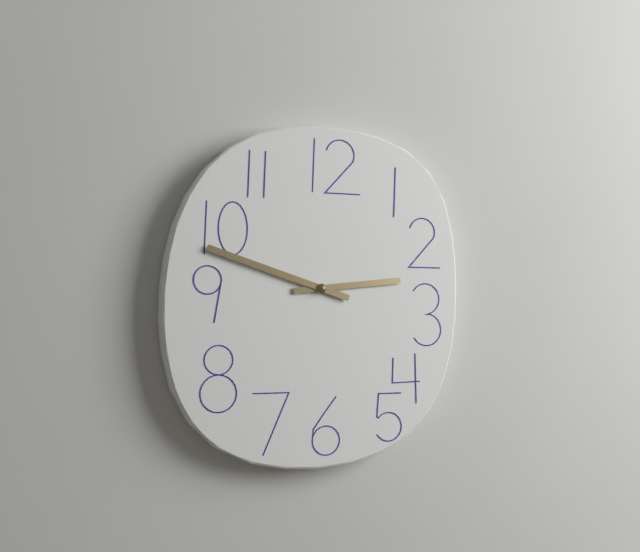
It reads **2:48**
